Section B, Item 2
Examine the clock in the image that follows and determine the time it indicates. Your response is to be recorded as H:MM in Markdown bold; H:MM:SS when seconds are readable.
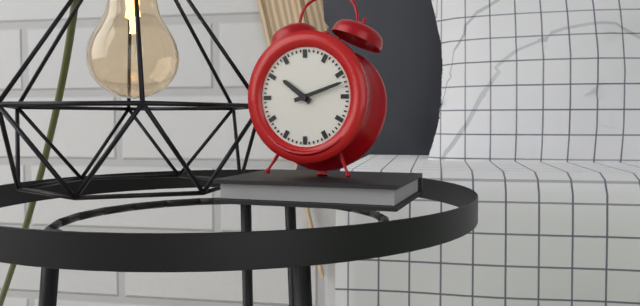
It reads **10:12**
